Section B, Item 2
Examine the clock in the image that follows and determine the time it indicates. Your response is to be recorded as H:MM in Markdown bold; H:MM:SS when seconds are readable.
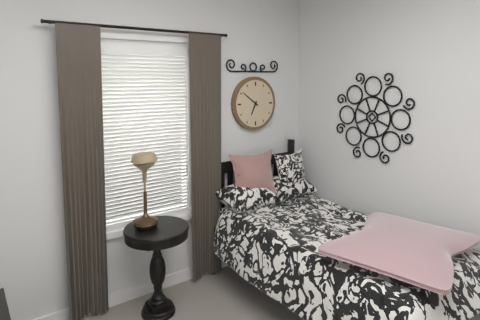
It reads **6:51**
